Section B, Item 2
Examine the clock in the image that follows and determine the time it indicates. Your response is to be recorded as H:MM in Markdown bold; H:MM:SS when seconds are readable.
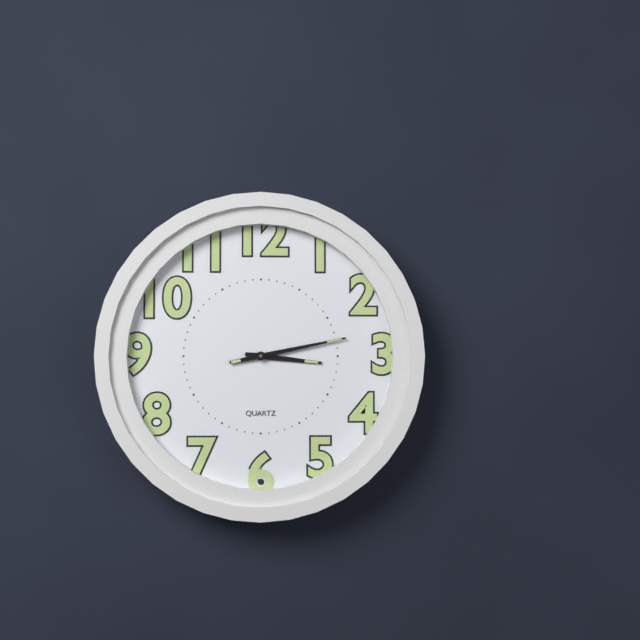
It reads **3:13**
